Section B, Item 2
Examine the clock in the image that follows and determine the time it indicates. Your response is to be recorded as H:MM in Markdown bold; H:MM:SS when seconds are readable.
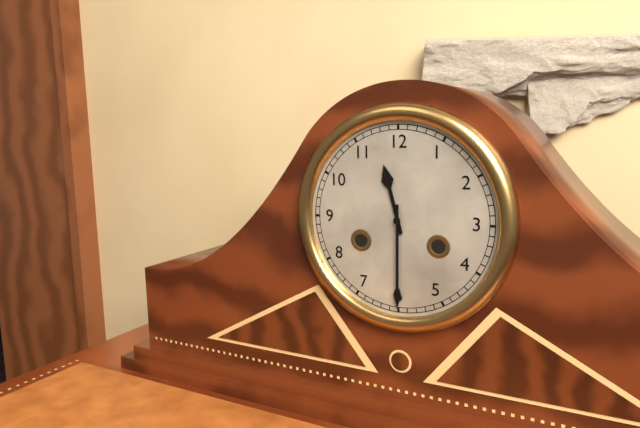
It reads **11:30**
